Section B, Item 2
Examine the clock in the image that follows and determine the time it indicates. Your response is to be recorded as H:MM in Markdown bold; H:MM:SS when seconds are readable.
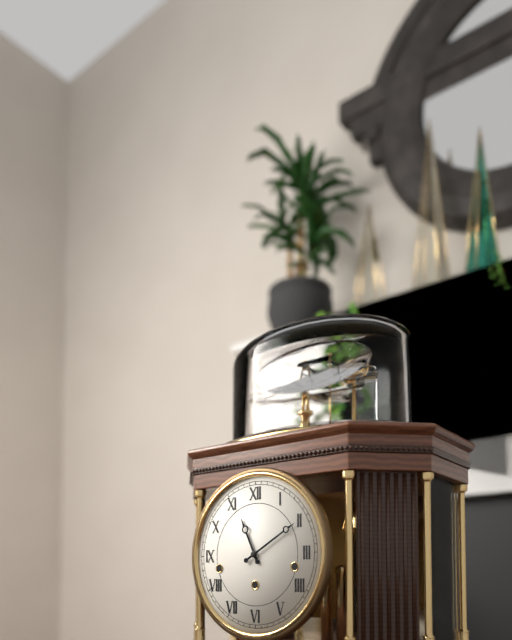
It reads **11:10**
